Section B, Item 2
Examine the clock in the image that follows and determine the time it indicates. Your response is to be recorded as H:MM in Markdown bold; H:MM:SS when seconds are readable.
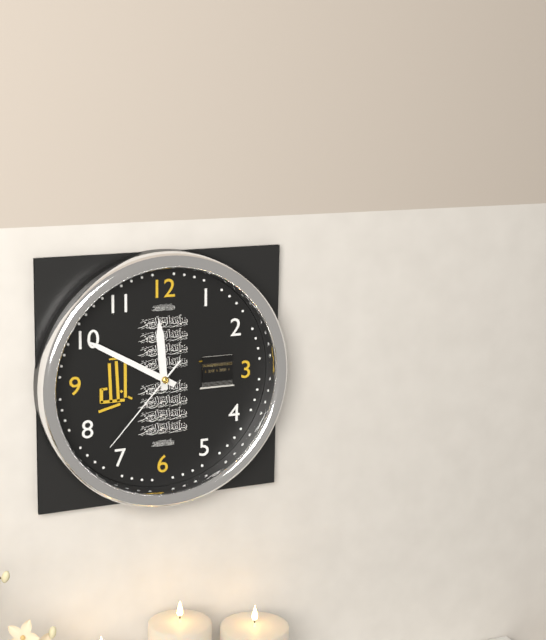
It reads **11:50:37**
